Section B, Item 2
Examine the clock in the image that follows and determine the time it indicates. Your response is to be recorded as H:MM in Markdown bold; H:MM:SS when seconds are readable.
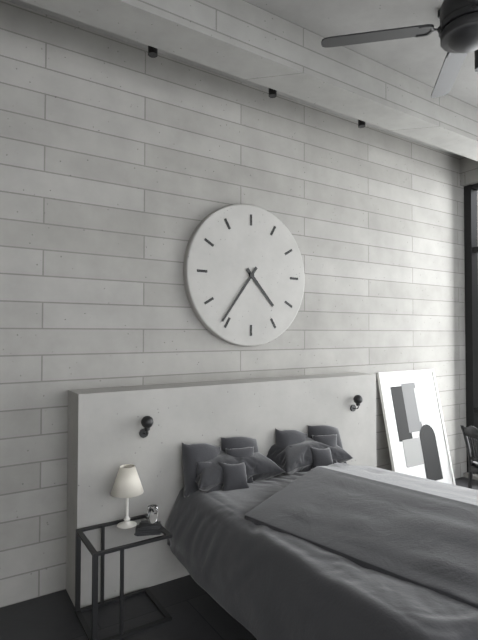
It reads **4:36**
